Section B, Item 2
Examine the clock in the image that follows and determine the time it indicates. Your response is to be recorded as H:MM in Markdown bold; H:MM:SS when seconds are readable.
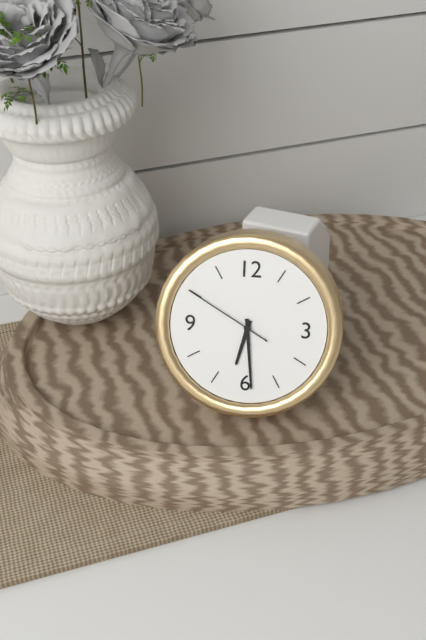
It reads **6:29:50**
